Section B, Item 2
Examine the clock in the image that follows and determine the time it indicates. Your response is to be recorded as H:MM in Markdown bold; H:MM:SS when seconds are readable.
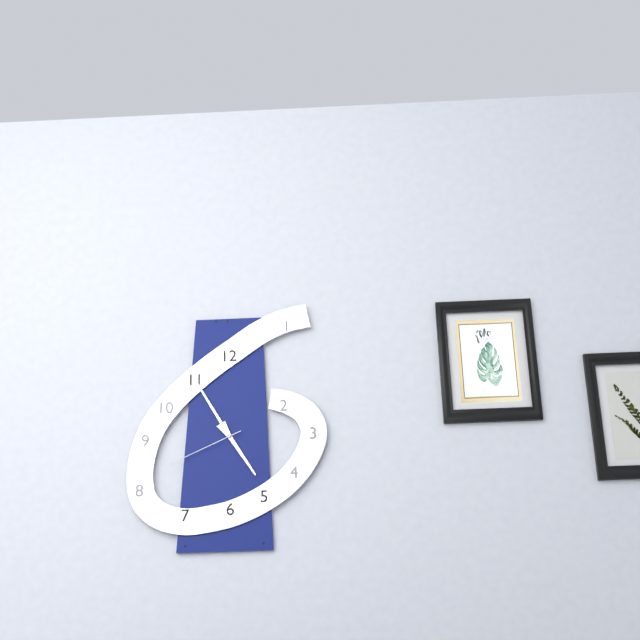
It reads **4:55:41**
